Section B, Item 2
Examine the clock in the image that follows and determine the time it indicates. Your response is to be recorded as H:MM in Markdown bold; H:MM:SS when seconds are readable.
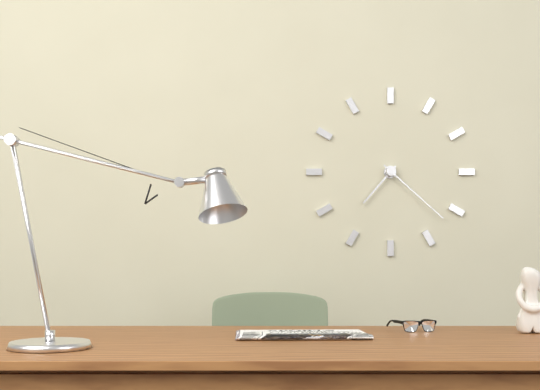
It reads **7:22**
